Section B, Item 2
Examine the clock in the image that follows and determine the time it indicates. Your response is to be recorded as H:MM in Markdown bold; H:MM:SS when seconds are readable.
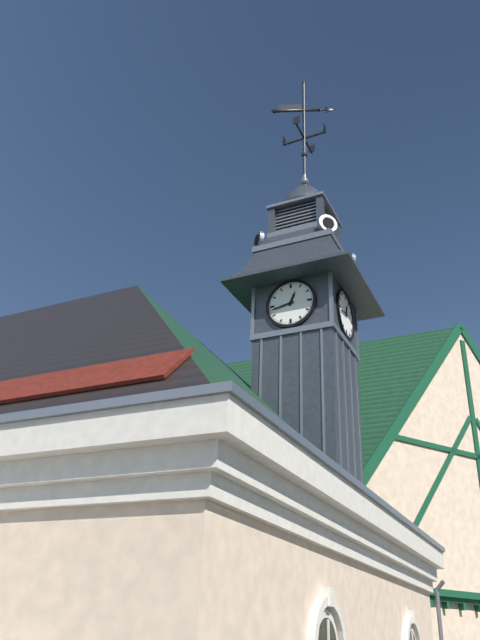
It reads **12:43**
